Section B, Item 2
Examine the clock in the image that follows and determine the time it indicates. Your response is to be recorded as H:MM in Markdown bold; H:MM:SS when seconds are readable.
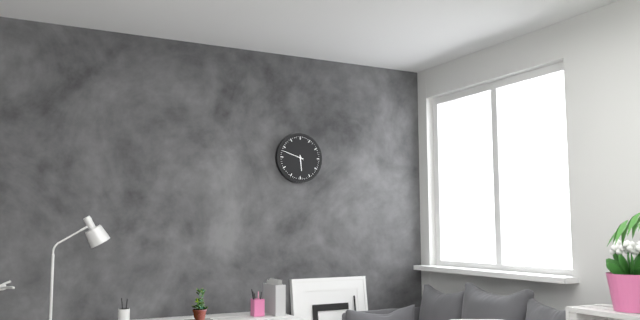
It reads **5:48**
